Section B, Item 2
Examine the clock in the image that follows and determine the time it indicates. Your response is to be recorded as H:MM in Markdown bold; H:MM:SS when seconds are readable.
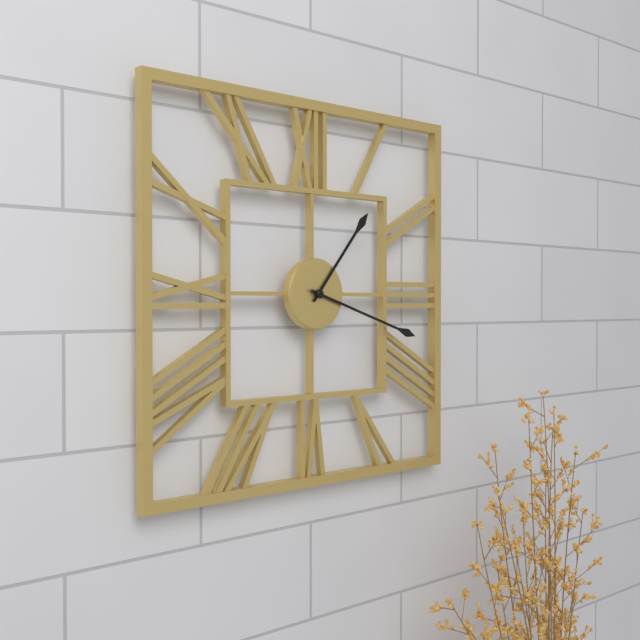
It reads **1:18**
